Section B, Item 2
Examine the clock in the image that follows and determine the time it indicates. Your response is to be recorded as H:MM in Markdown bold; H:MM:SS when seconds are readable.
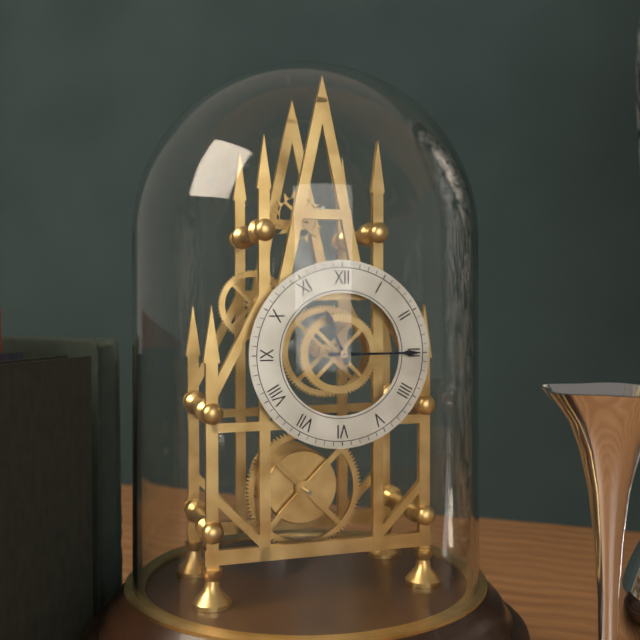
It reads **11:15**
